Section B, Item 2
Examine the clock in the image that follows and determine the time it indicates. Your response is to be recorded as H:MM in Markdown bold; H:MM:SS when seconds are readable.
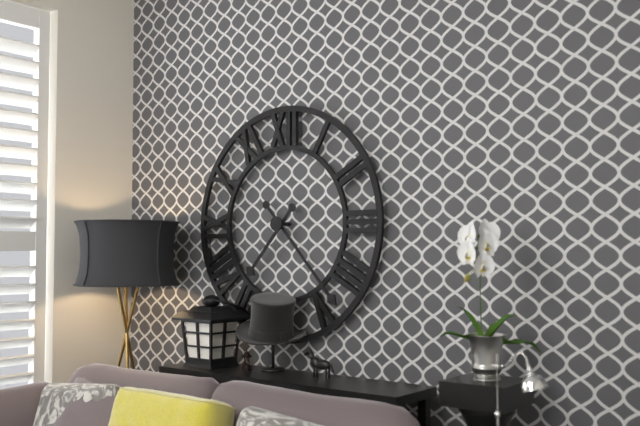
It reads **7:23**
